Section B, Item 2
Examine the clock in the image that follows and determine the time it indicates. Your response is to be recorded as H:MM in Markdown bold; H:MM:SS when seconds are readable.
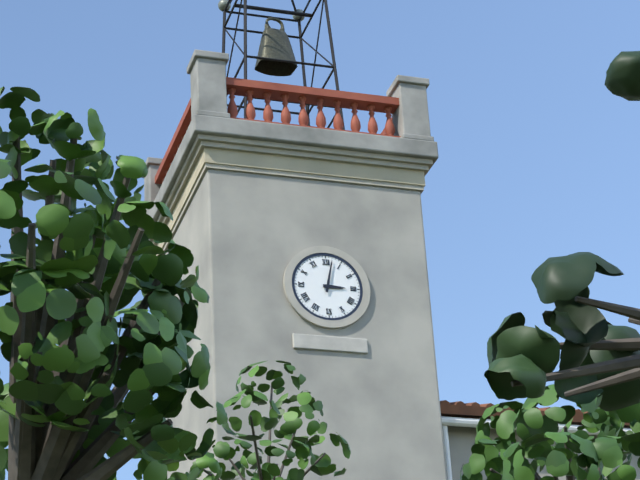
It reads **3:02**
